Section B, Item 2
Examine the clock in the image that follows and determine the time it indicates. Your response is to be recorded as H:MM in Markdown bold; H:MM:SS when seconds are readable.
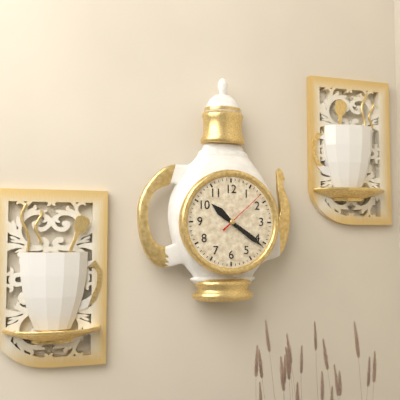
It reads **10:21:08**
